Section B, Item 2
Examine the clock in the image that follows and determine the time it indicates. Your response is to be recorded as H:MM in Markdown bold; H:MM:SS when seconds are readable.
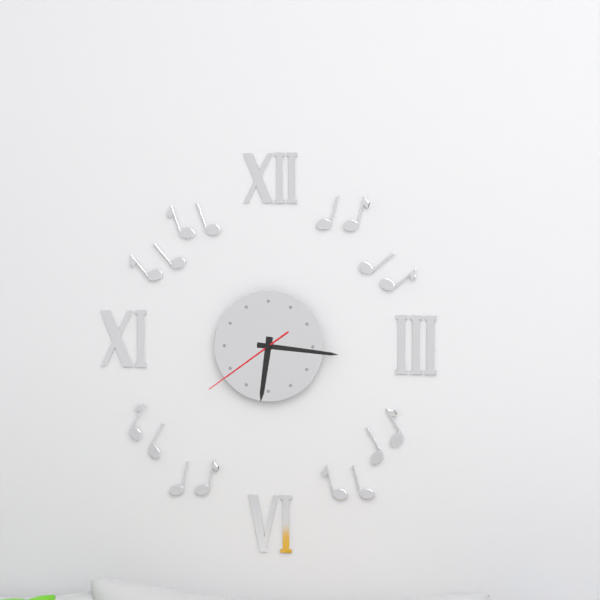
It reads **6:16:39**
